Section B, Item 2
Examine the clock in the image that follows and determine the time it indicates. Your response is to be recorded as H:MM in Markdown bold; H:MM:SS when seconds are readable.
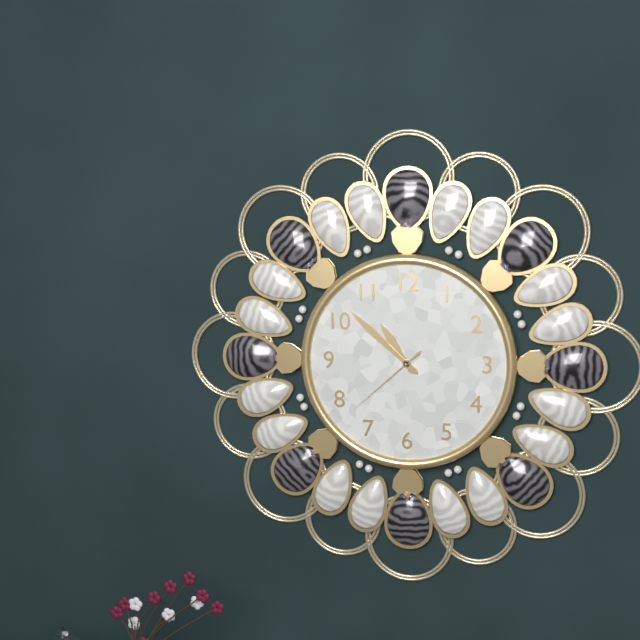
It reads **10:52:38**
